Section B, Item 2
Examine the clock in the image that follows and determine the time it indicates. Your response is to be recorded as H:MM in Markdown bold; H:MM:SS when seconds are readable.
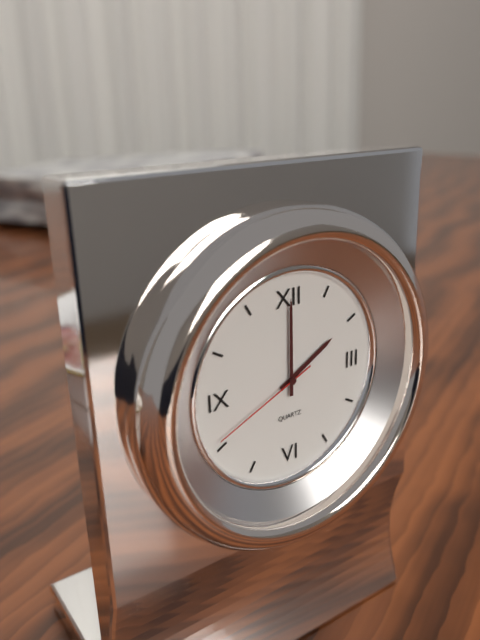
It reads **2:00:41**
